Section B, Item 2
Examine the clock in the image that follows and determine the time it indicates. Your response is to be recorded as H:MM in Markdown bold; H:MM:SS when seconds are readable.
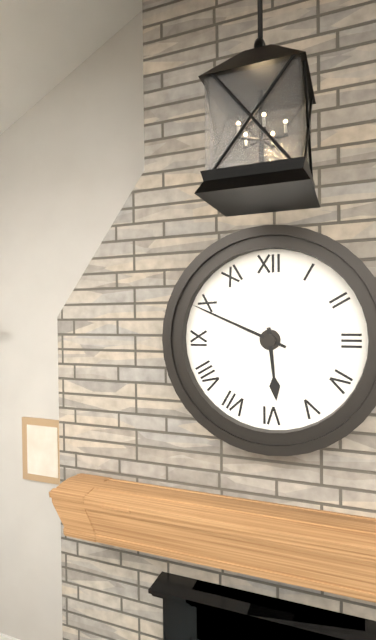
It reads **5:49**
